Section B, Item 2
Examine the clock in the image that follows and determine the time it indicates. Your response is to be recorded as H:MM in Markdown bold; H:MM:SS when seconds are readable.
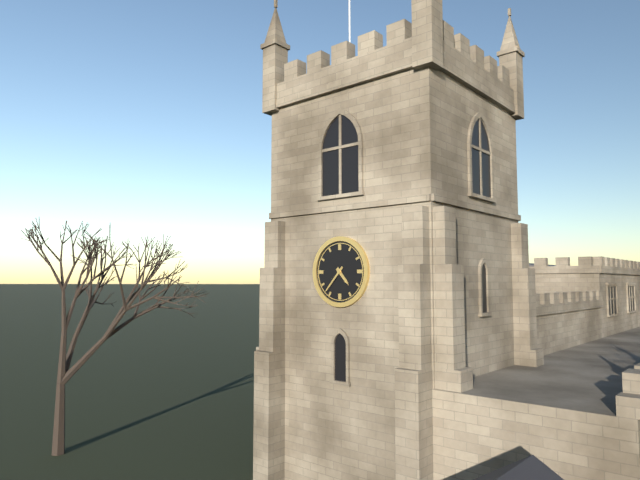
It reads **4:37**
